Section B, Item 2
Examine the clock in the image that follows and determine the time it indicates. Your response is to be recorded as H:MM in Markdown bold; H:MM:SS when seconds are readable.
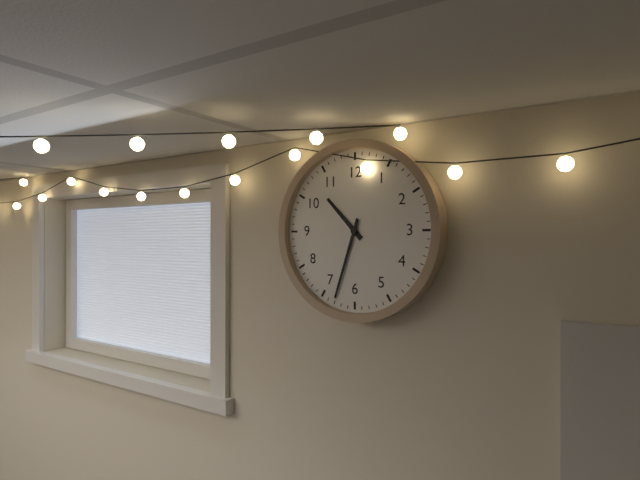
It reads **10:33**
